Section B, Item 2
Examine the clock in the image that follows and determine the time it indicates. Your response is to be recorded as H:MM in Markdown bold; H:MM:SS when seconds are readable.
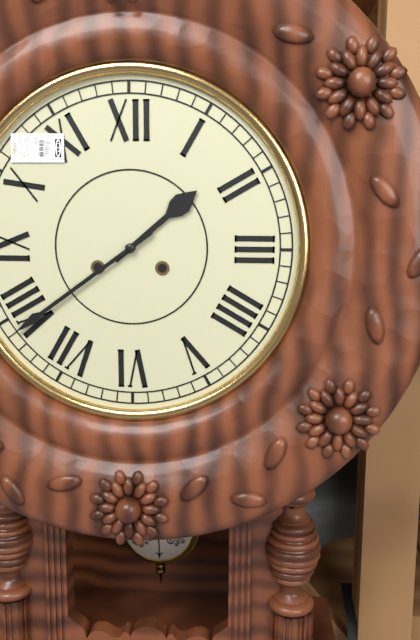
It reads **1:39**
